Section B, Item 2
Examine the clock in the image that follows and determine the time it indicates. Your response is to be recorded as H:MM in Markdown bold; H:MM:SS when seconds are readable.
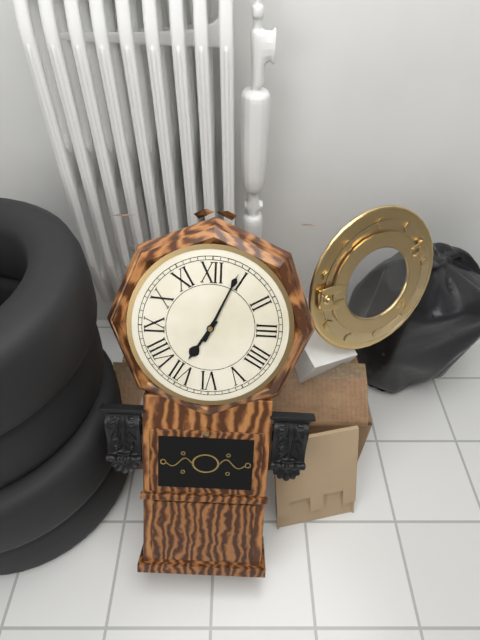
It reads **7:04**
